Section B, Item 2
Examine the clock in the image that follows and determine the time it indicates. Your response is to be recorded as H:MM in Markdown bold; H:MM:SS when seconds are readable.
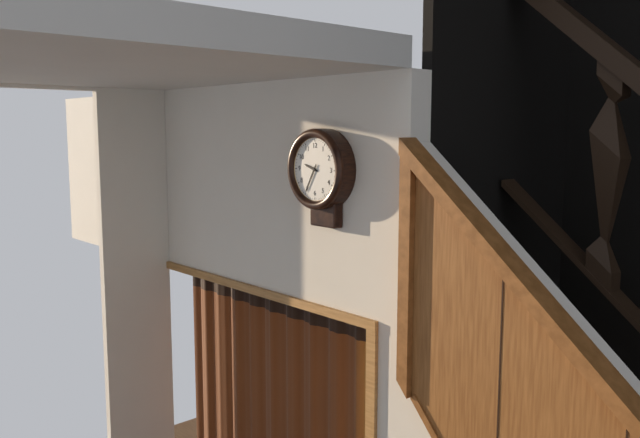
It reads **9:35**
